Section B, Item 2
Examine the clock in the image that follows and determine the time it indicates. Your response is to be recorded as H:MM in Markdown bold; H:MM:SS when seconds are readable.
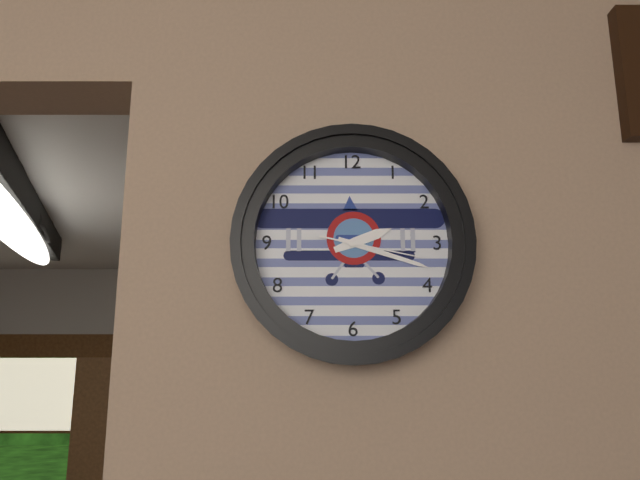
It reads **2:18:17**
